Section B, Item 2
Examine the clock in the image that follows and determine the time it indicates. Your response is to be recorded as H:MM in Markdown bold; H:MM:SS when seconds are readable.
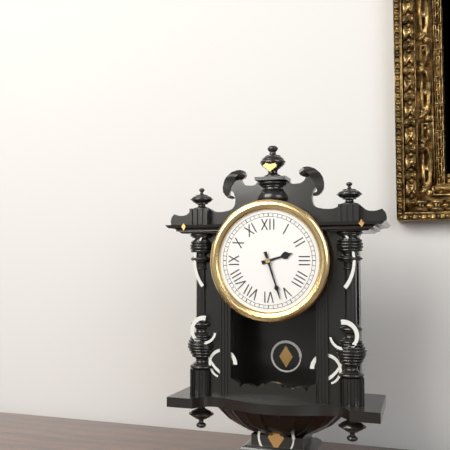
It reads **2:27**
